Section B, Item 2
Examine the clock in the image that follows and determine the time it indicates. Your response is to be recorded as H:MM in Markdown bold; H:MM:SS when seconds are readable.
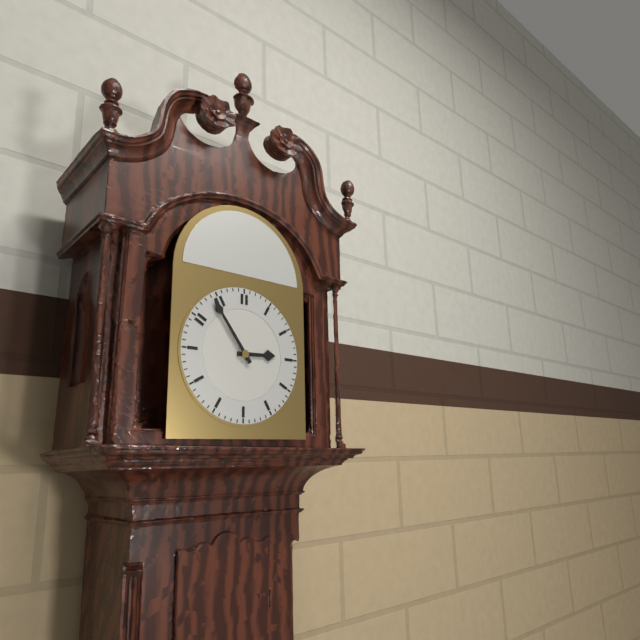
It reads **2:54**
